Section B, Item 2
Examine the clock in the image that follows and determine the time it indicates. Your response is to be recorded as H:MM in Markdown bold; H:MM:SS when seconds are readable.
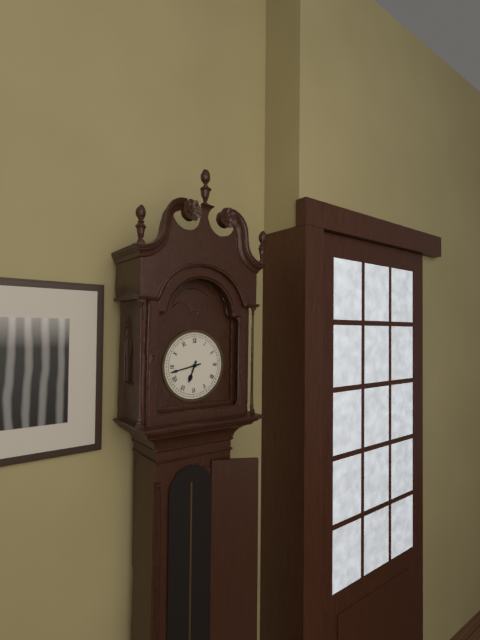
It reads **6:43**
